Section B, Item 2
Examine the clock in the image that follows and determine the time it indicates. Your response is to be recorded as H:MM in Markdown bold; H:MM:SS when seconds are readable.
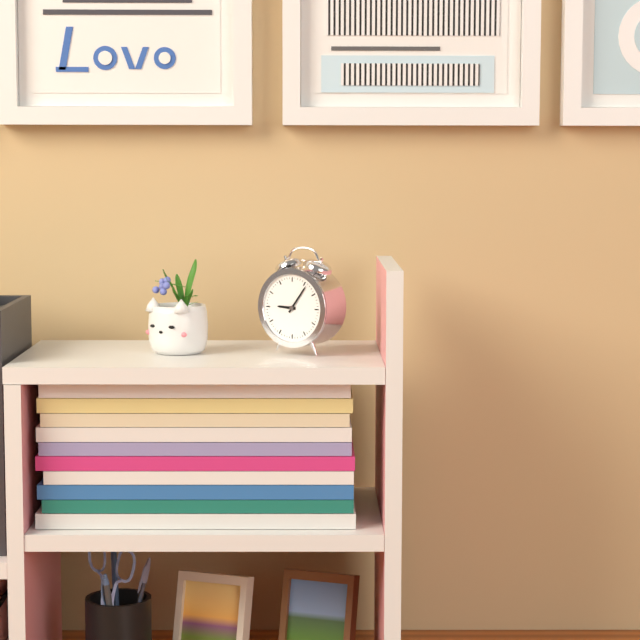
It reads **9:06**
